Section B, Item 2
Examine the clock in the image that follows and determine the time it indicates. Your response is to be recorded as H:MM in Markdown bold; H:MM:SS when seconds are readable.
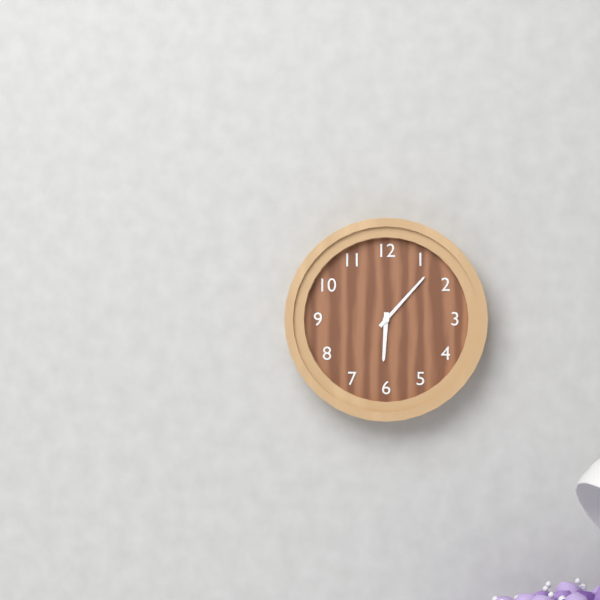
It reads **6:07**
